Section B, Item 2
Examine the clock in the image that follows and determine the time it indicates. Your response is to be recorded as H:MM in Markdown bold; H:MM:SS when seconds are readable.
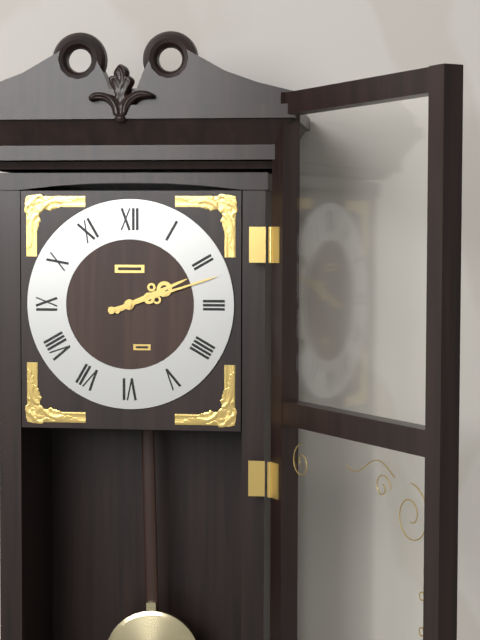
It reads **2:12**
